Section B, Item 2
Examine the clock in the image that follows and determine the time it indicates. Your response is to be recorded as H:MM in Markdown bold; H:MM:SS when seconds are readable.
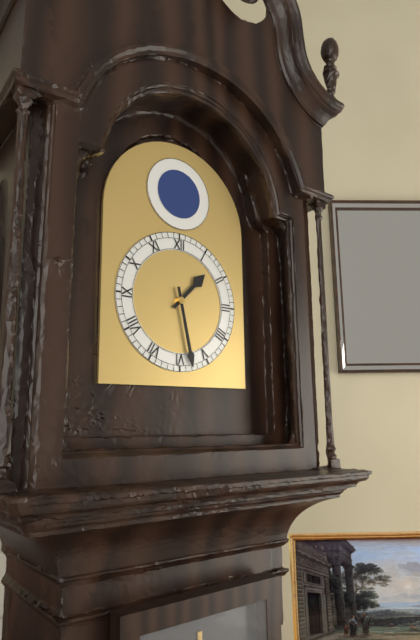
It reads **1:28**
